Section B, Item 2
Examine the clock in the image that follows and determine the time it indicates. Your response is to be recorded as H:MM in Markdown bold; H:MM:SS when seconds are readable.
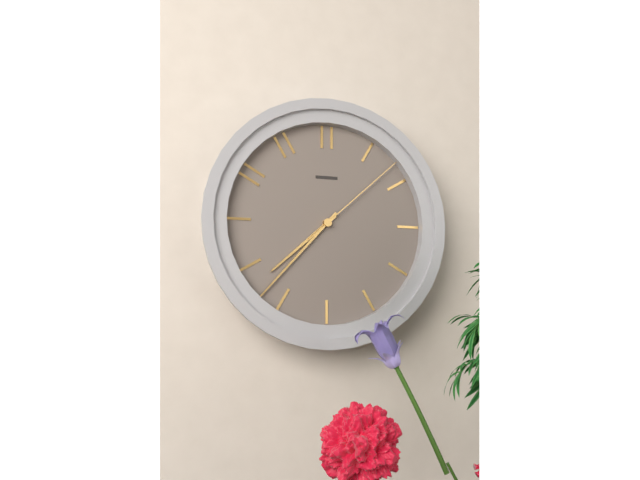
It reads **7:37:08**
